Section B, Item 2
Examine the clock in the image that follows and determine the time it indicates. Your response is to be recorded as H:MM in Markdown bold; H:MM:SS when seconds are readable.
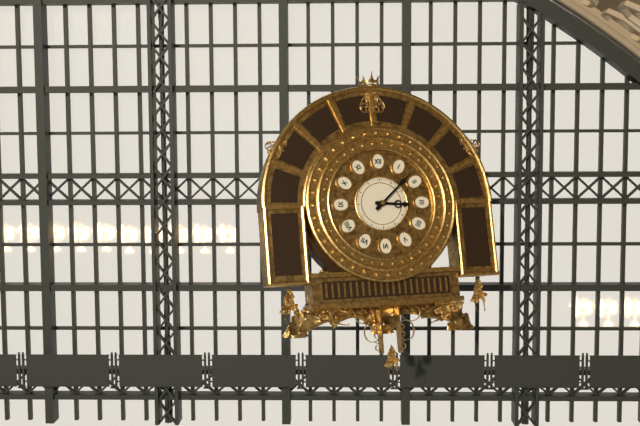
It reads **3:08**
